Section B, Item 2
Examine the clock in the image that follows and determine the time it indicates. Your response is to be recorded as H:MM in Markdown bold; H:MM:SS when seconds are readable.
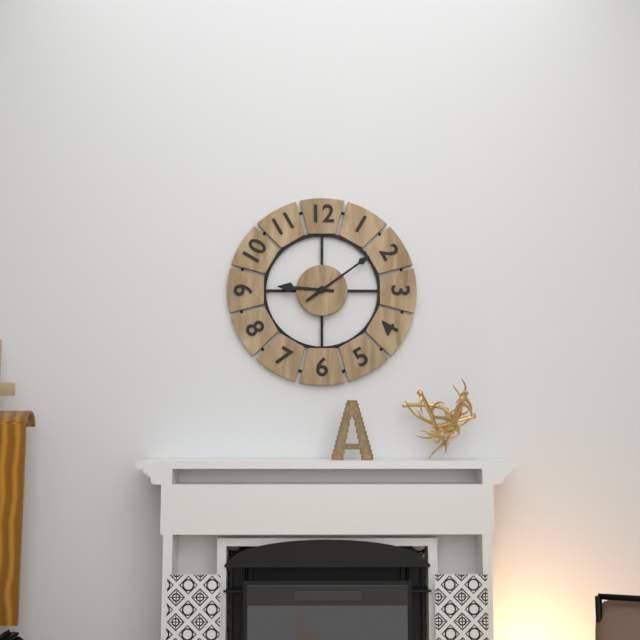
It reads **9:09**
